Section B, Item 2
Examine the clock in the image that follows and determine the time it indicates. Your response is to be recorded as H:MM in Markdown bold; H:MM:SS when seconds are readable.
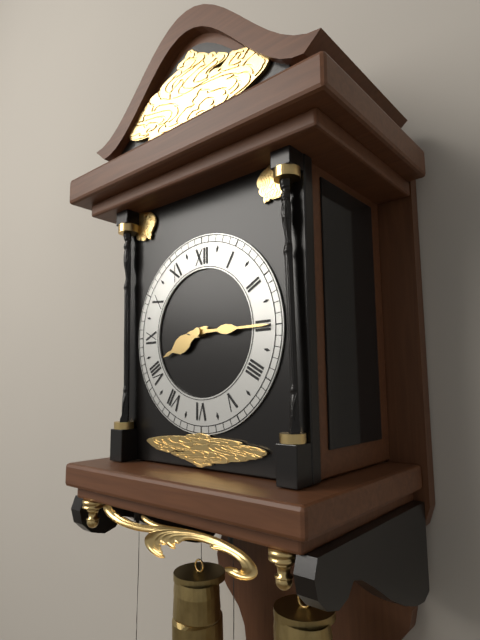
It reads **8:15**
